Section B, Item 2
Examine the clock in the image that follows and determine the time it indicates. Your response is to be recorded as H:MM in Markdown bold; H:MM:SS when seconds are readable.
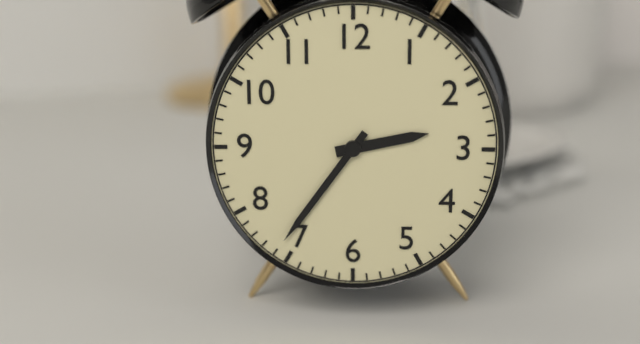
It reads **2:36**
